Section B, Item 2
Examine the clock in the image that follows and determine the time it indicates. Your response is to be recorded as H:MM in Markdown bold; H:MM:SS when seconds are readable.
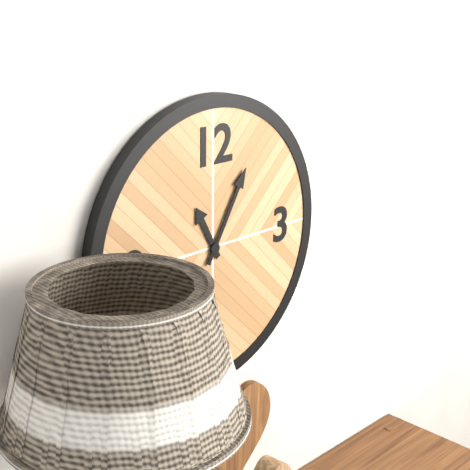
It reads **11:05**
